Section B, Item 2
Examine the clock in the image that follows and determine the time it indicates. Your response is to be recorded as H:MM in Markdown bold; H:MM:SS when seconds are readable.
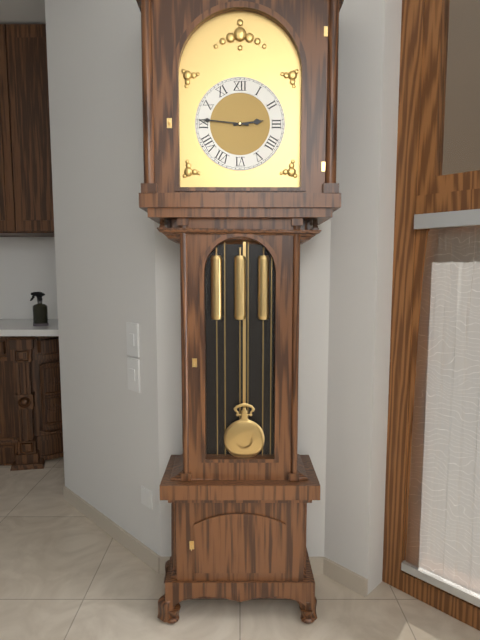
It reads **2:46**
